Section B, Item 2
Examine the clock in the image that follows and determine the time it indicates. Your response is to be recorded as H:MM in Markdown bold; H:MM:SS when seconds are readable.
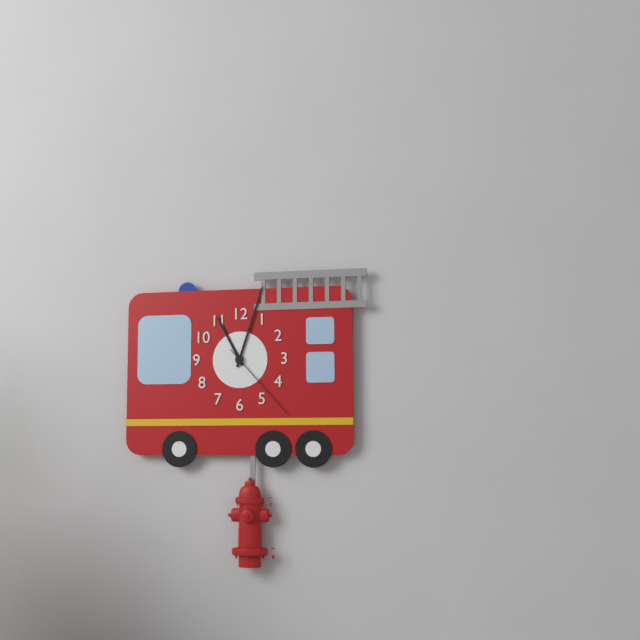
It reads **11:03:23**
